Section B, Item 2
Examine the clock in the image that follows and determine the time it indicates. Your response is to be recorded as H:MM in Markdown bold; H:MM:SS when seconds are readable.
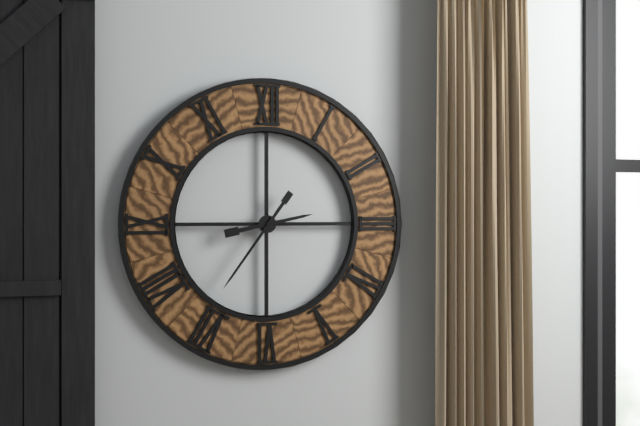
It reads **2:36**
